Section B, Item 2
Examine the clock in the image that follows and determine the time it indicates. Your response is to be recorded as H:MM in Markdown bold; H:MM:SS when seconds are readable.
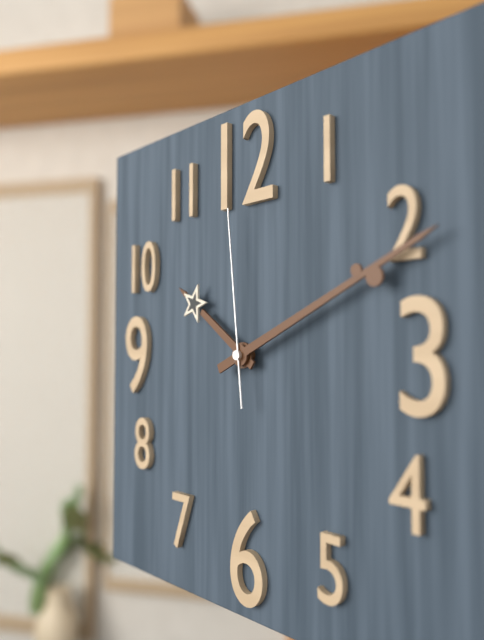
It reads **10:11:59**
